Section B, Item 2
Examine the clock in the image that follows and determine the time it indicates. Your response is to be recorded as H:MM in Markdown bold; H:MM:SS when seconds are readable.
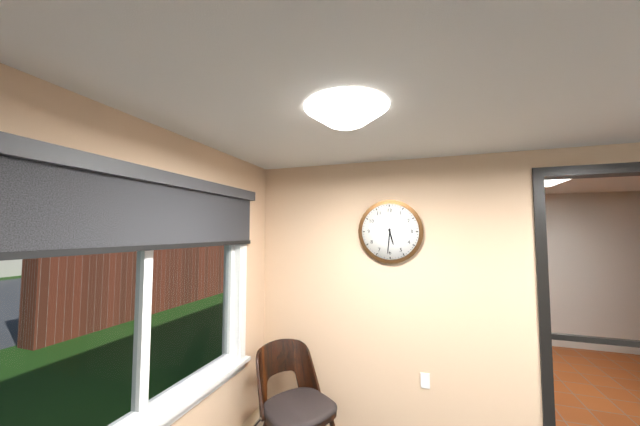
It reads **5:31**
